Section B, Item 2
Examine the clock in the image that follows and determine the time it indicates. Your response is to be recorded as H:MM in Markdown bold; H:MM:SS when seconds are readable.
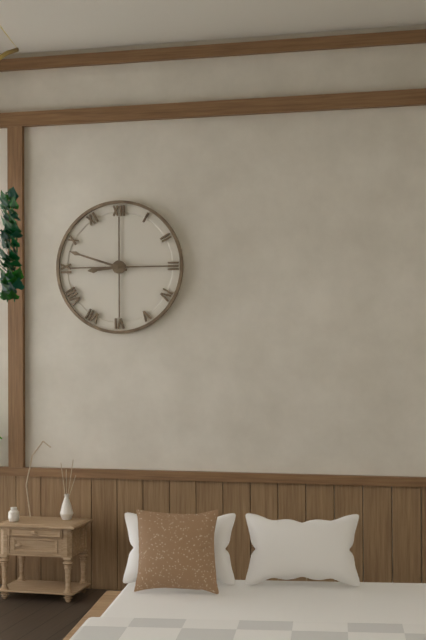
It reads **8:48**
